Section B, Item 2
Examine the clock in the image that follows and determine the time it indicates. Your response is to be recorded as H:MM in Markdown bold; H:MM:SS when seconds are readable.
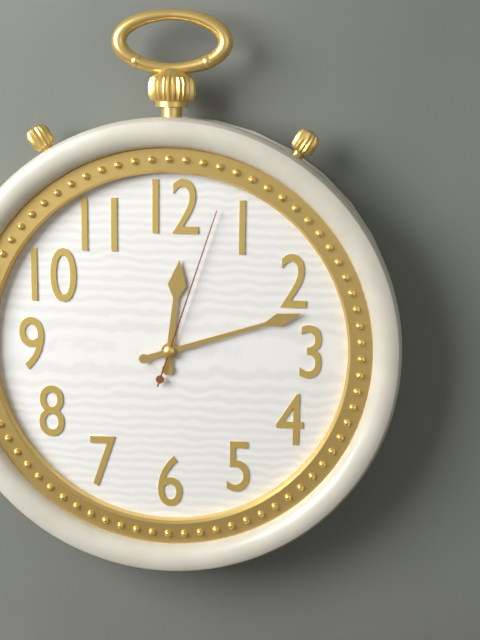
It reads **12:12:03**
